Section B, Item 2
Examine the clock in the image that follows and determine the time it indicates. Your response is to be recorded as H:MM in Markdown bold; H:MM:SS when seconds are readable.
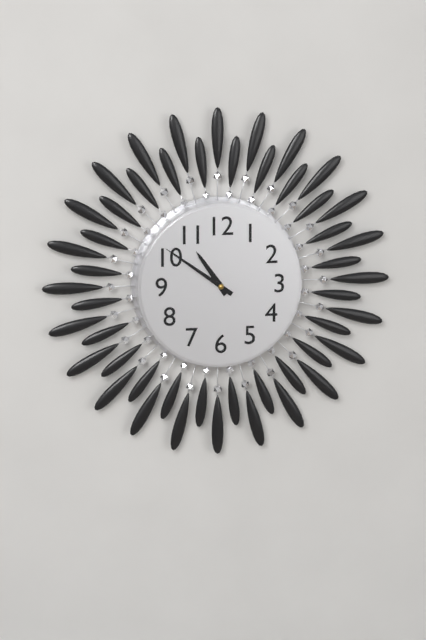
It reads **10:51**
